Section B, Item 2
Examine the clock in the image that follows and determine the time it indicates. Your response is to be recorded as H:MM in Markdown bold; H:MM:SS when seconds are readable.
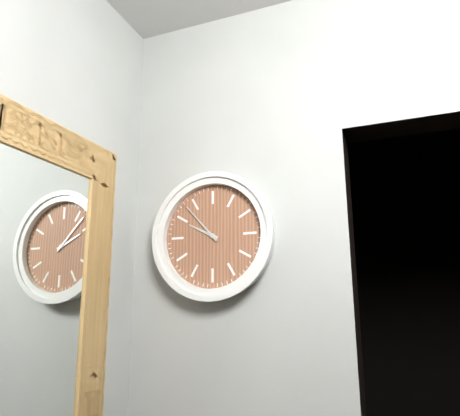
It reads **9:53**
